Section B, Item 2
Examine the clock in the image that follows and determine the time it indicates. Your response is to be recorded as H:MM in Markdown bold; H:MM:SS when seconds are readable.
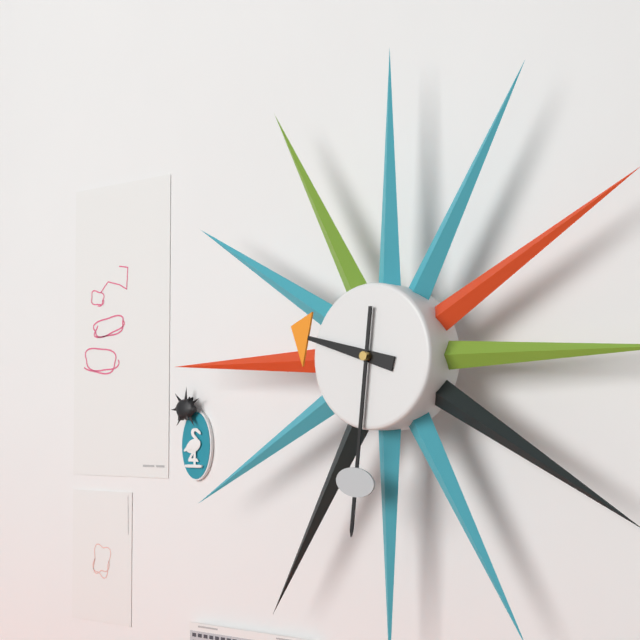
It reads **9:31**
